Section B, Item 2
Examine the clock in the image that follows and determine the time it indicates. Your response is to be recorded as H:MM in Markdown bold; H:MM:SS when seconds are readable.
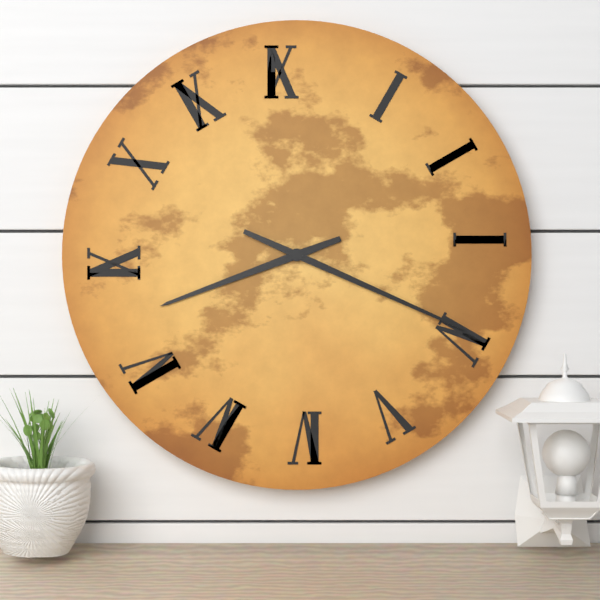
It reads **8:19**
